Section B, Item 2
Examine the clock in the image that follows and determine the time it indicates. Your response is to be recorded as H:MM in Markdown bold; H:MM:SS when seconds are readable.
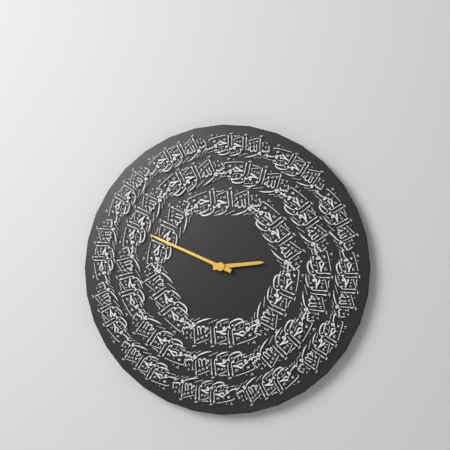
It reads **2:49**
